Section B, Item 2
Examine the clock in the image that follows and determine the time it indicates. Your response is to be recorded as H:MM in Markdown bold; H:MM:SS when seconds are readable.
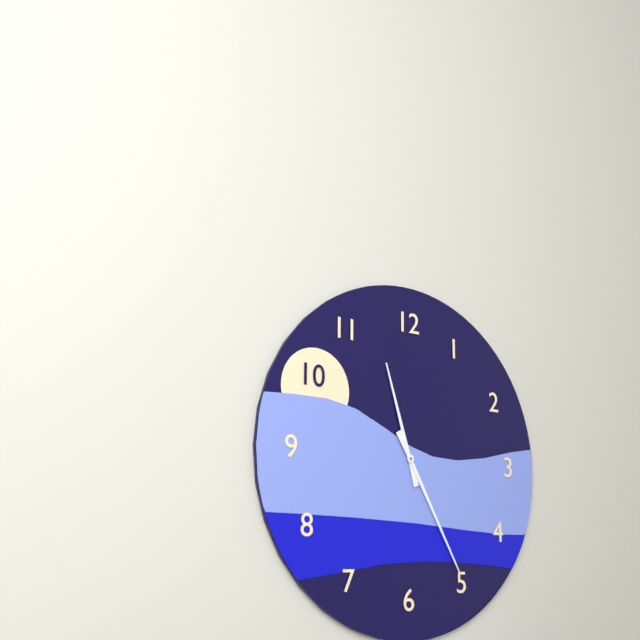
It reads **11:25**
